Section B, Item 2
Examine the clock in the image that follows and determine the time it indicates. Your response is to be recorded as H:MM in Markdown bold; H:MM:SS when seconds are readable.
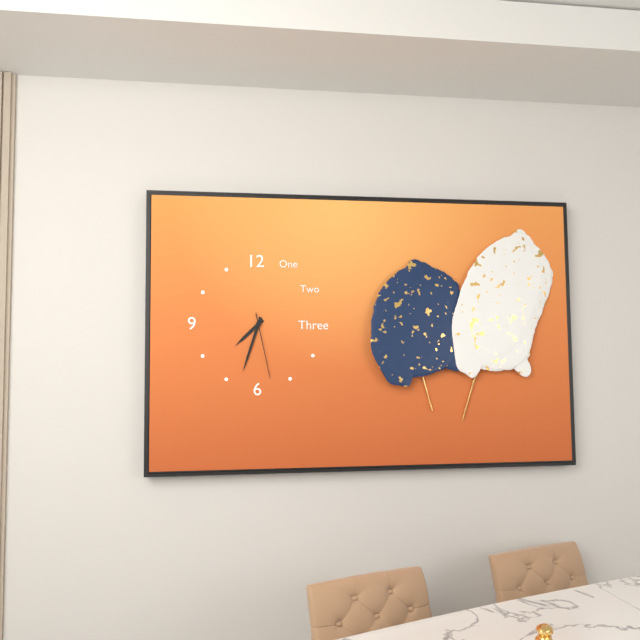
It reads **7:33:28**
